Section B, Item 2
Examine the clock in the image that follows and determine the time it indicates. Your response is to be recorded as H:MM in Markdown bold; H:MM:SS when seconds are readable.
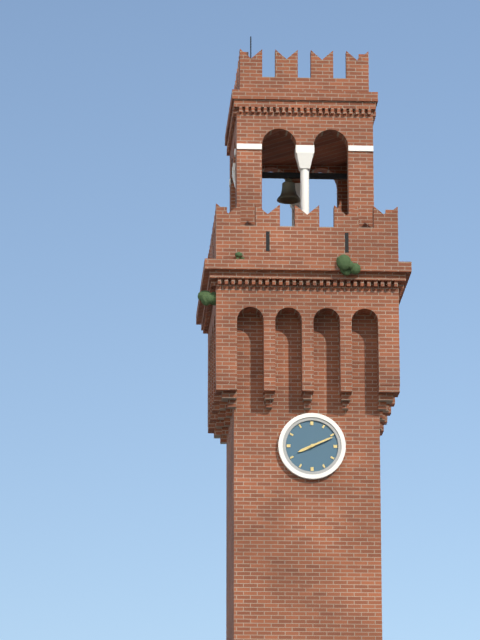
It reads **8:11**
